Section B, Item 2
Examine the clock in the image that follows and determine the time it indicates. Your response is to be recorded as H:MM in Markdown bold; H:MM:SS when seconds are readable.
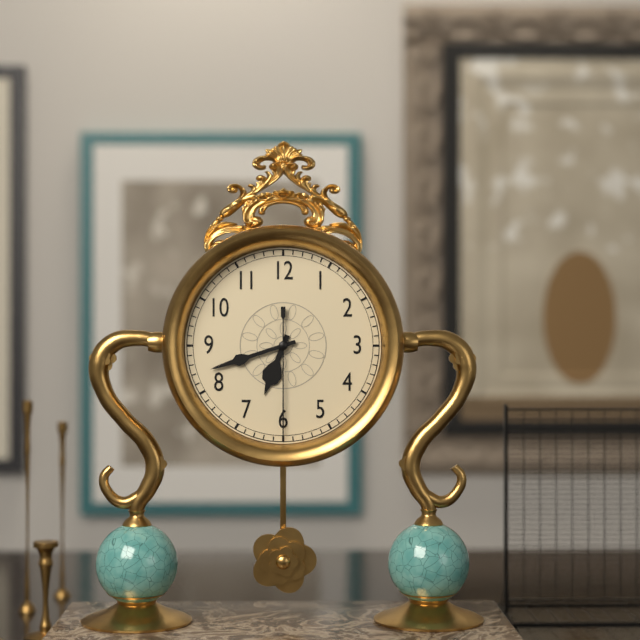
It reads **6:42:30**
